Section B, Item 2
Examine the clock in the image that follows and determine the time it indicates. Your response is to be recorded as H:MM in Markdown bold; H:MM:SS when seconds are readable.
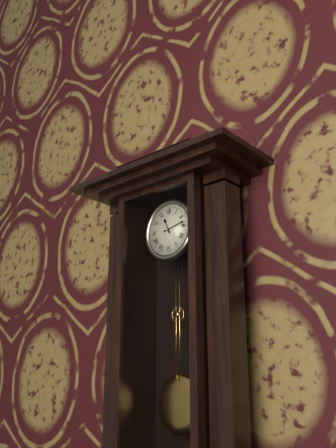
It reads **11:13**
